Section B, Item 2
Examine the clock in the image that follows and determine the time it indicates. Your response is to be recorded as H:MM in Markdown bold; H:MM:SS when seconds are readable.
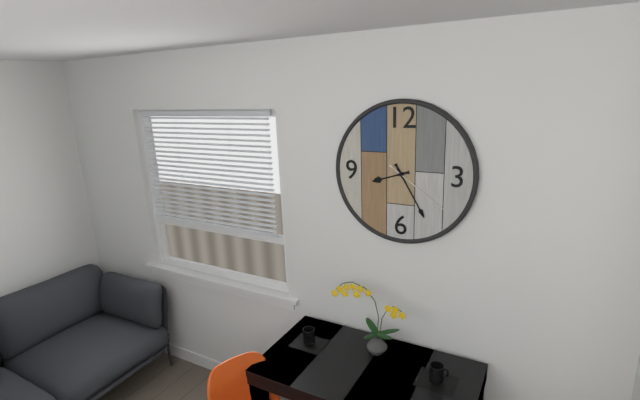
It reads **8:25:21**
